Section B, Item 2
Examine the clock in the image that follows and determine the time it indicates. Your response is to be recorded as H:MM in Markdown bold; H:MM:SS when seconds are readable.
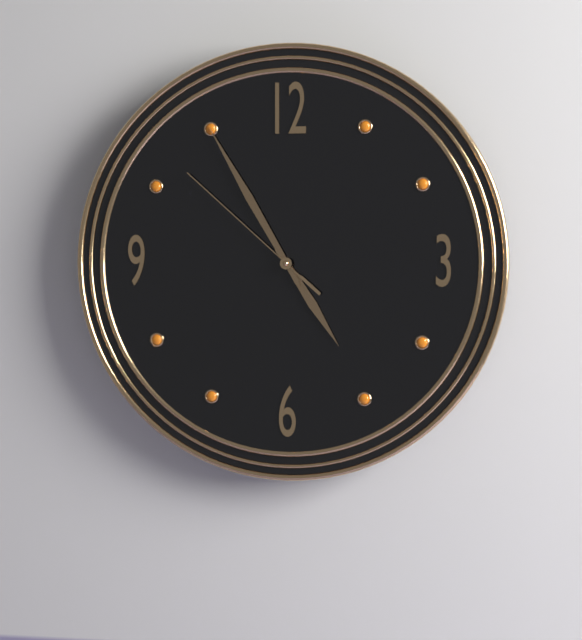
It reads **4:55:52**
